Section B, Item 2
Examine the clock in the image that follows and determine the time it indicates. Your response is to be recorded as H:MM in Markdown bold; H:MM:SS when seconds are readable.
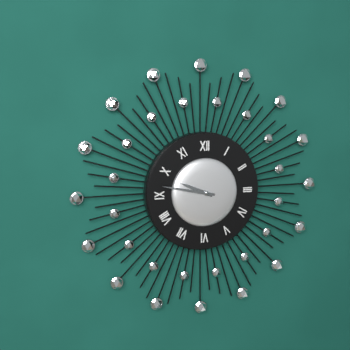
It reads **9:47**
